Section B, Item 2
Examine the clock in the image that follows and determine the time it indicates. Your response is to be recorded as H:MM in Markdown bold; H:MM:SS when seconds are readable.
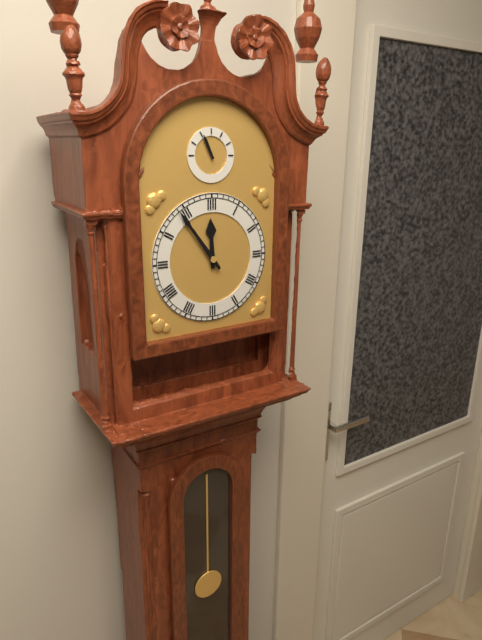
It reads **11:54**
